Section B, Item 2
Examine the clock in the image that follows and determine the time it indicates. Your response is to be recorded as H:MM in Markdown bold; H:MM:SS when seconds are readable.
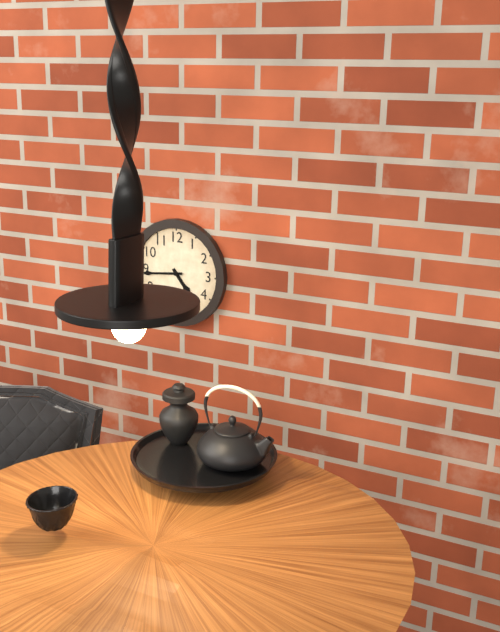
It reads **4:44**
